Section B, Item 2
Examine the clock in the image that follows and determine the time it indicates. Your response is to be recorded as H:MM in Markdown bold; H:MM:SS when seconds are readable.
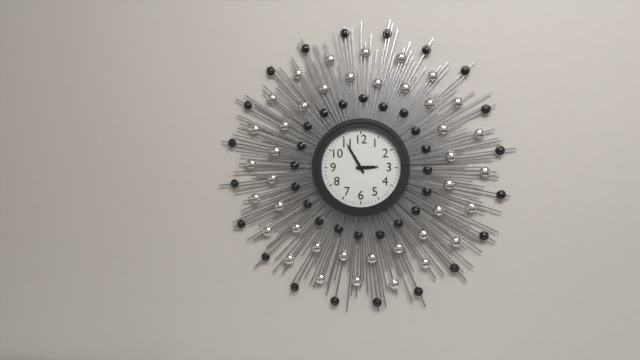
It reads **2:55**
